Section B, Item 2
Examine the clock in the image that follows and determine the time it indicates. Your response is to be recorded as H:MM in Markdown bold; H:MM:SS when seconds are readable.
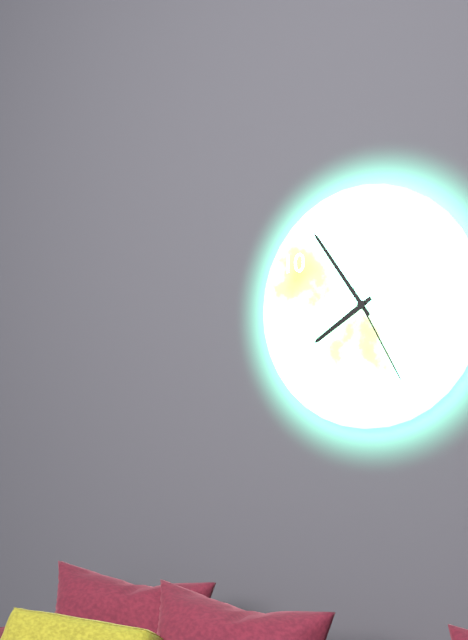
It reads **7:54:25**
